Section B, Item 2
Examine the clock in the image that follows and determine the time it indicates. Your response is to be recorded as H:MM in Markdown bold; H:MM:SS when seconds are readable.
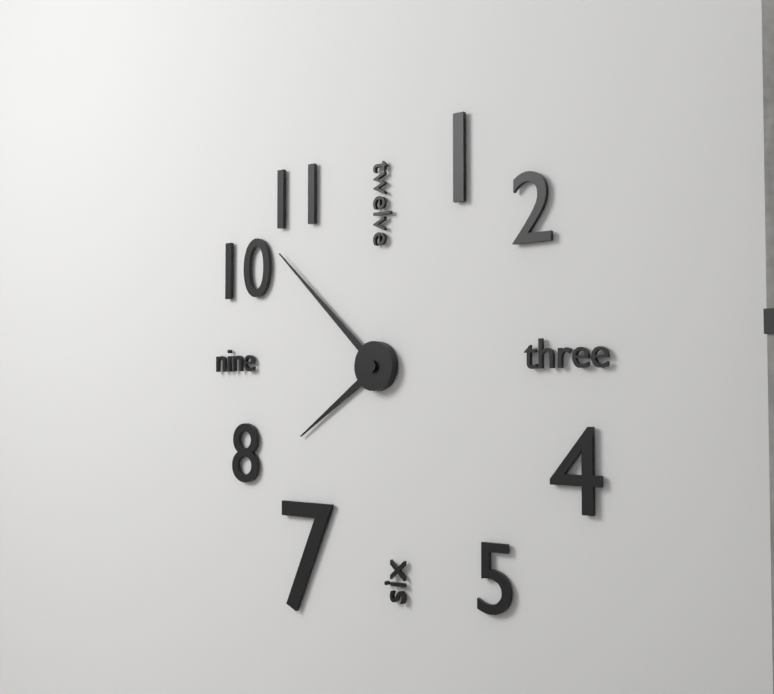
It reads **7:52**
